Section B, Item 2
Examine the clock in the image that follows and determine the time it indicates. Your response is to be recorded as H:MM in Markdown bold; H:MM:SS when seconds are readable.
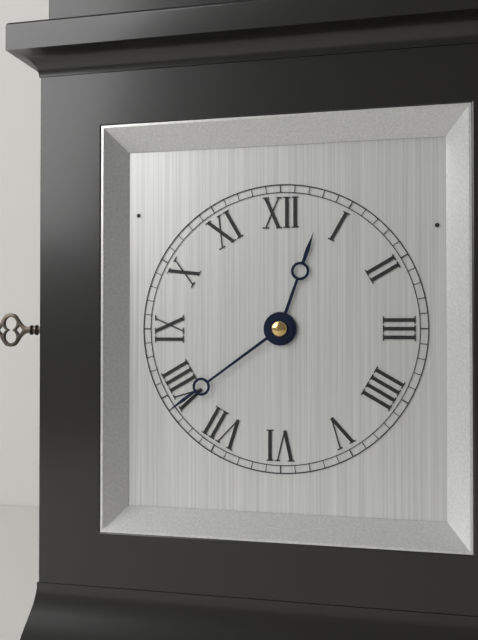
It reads **12:39**
